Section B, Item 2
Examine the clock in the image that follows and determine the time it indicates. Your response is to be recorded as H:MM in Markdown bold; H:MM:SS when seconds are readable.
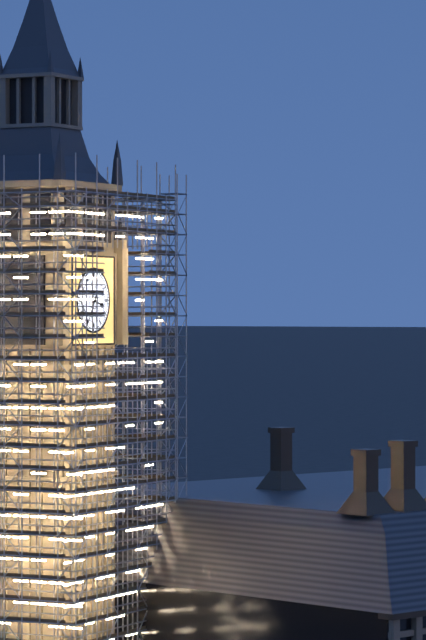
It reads **3:35**
